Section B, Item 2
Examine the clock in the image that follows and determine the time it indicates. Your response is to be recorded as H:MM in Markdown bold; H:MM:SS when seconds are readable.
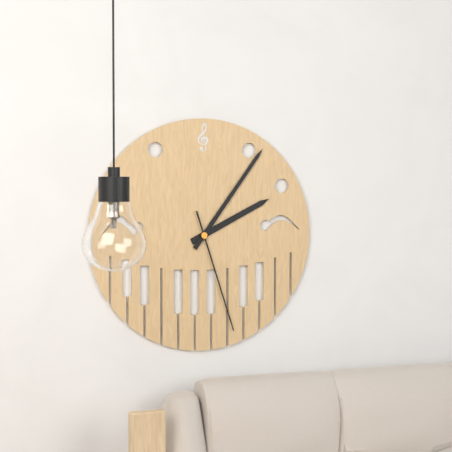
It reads **2:06:27**
